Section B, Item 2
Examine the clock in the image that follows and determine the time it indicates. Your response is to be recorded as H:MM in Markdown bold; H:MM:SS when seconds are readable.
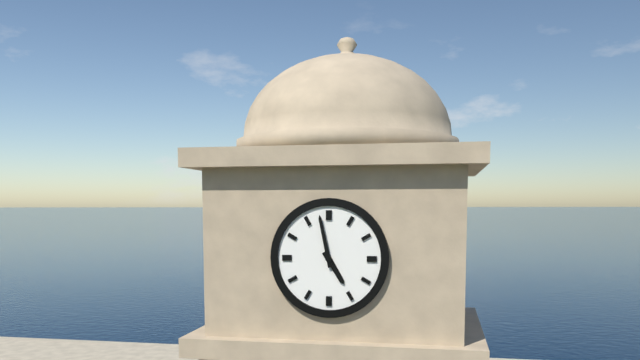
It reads **4:58**
